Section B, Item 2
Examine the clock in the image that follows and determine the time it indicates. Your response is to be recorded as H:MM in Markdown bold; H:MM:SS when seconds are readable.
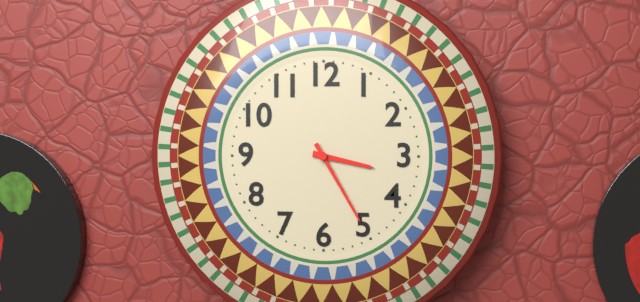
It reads **3:25**
